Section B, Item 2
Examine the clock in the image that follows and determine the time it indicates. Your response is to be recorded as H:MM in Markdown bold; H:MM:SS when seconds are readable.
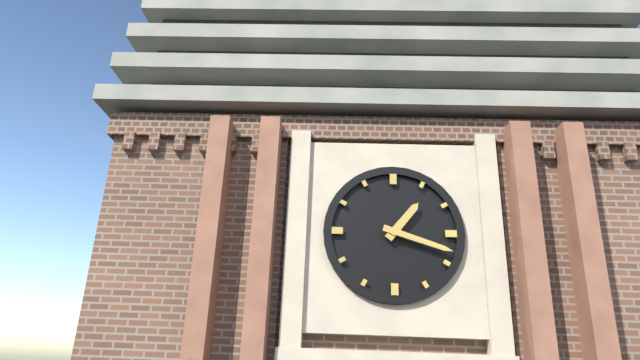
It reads **1:18**
